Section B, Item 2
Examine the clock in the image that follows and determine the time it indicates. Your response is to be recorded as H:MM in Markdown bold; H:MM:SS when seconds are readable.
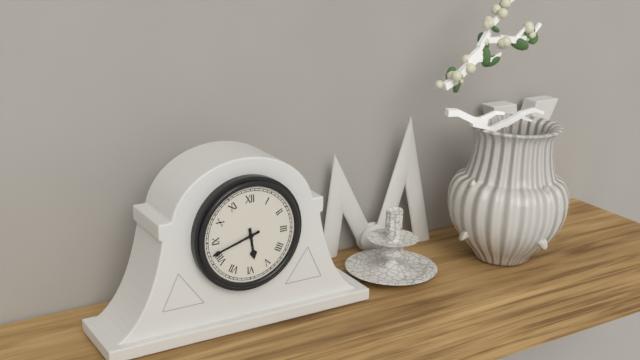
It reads **5:42**
